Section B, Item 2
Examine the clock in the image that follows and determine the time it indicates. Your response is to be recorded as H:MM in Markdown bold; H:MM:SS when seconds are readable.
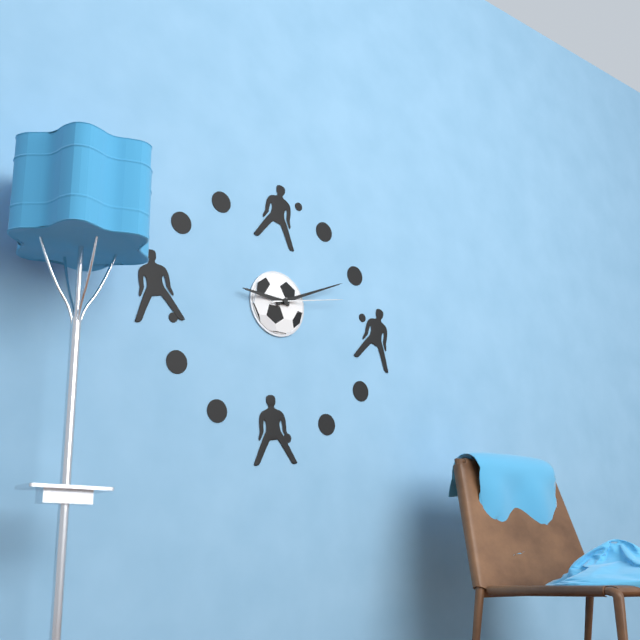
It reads **9:11:13**
